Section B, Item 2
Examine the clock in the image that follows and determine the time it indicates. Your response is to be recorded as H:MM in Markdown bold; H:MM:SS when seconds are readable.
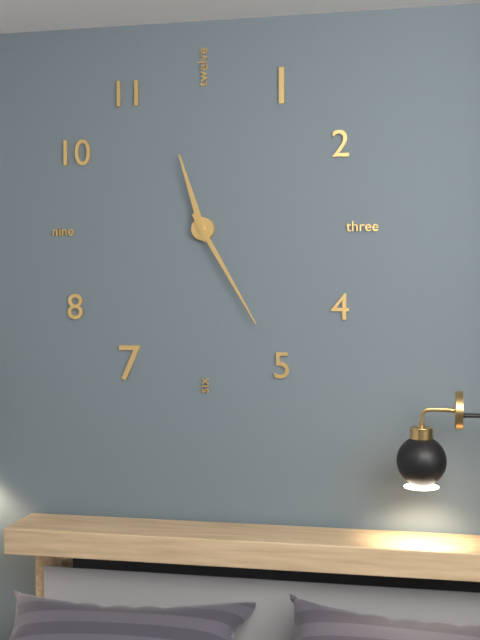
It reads **11:25**
